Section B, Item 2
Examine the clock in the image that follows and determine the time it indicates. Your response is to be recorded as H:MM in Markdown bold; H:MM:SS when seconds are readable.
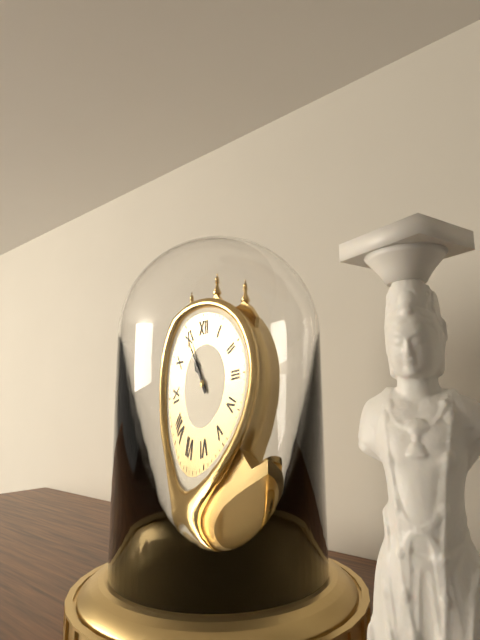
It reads **10:55**
